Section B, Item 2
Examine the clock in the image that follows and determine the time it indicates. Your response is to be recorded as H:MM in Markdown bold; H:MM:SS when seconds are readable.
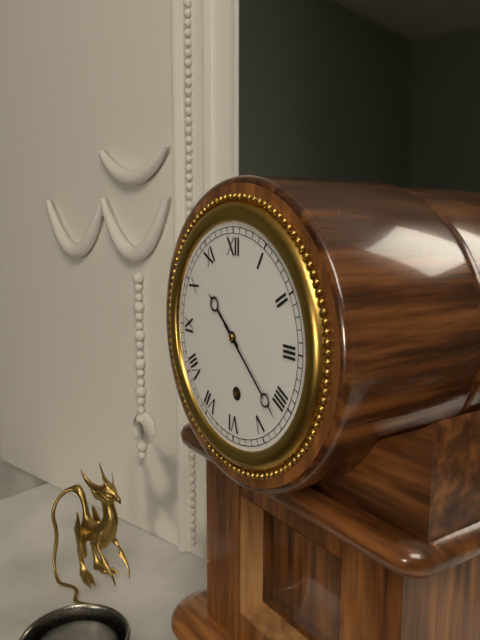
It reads **10:22**
